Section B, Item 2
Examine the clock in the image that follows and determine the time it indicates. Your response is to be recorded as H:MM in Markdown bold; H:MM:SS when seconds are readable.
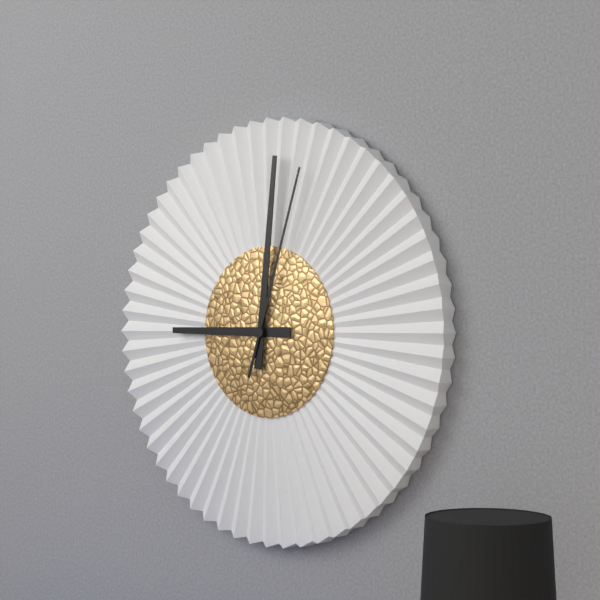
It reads **9:01:03**
